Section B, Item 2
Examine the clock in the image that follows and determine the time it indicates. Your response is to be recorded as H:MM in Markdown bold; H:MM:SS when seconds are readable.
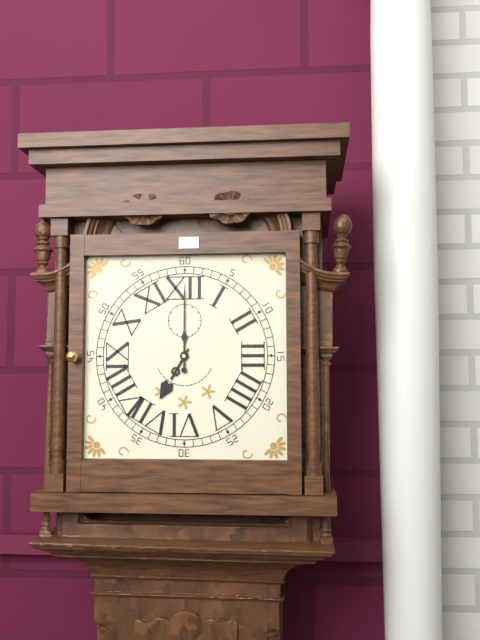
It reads **7:00**
